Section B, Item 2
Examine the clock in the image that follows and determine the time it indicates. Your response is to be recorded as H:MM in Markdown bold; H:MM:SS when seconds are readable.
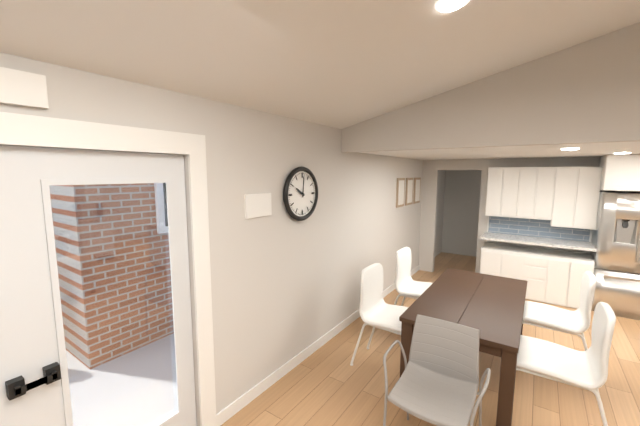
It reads **10:01**
